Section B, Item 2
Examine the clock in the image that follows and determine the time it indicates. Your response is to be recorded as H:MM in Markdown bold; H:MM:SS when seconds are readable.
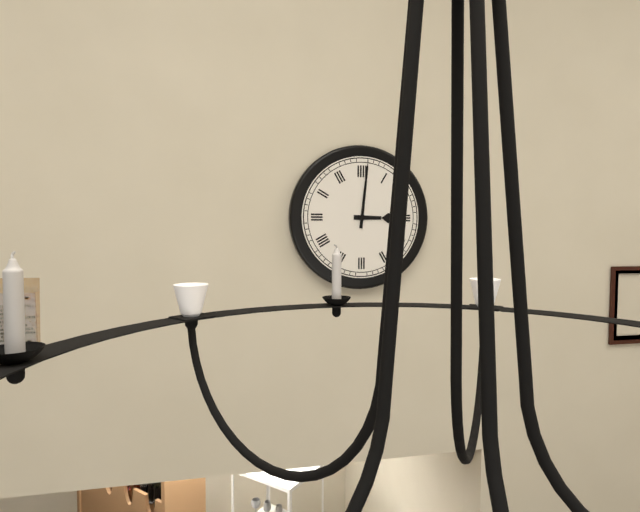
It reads **3:01**
